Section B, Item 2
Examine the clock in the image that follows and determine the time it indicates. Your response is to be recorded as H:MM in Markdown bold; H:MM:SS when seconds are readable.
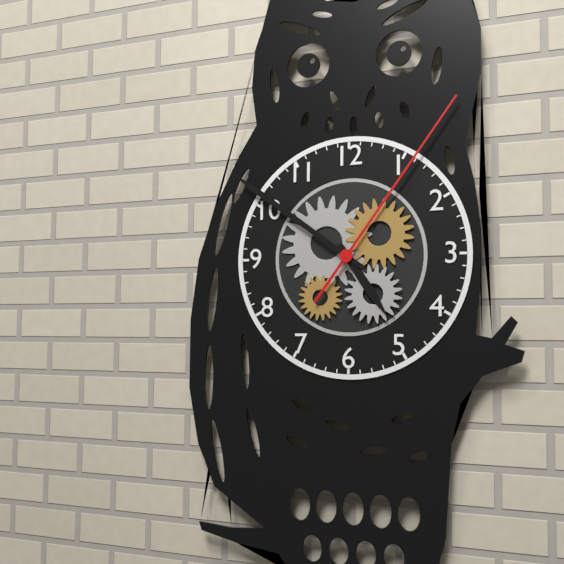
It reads **4:51:06**
